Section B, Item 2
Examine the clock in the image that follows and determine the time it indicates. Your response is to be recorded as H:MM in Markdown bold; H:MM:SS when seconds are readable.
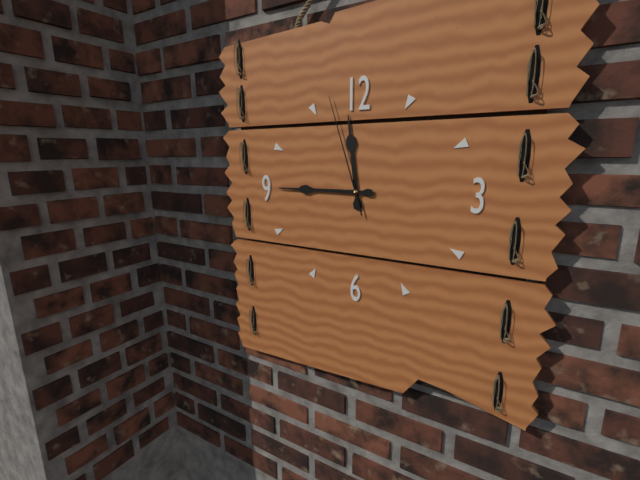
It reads **11:45:57**
